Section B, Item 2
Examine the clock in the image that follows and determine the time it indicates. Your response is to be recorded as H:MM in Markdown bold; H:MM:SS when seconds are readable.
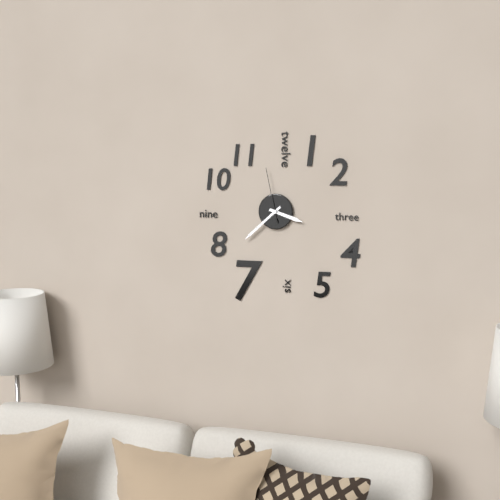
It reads **3:38:58**
